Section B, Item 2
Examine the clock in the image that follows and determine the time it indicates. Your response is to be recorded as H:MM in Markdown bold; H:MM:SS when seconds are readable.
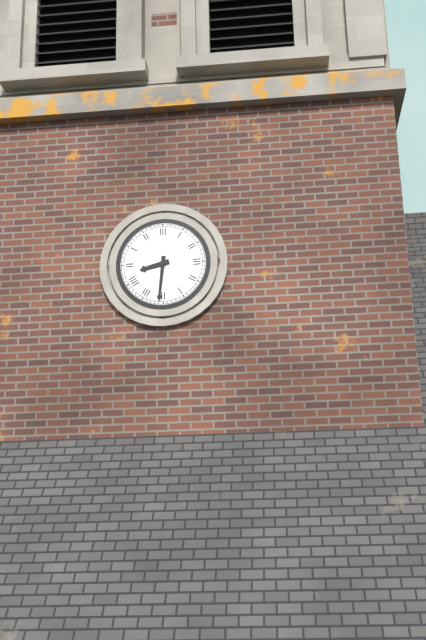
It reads **8:31**
